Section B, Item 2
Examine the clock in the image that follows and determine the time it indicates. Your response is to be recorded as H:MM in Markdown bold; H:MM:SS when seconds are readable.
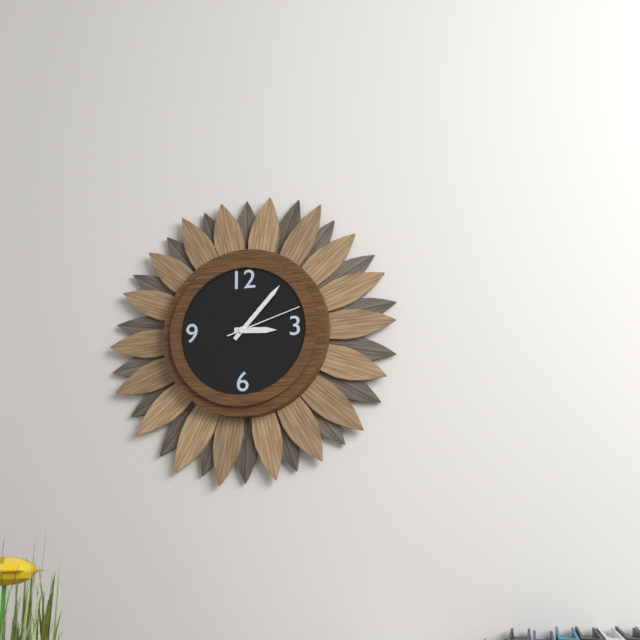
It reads **3:07:12**
